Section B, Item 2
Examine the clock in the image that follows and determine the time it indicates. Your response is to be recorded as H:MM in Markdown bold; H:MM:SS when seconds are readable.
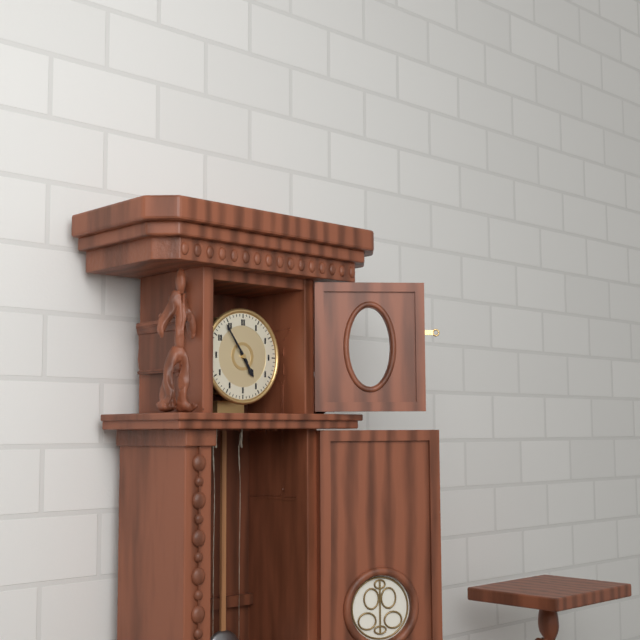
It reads **4:54**
